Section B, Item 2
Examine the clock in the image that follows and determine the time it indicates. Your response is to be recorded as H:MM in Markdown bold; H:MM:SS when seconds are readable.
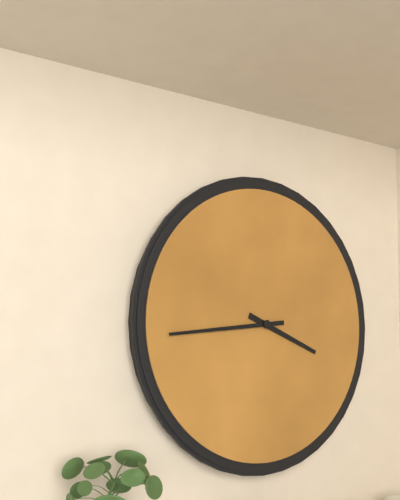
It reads **3:44**
